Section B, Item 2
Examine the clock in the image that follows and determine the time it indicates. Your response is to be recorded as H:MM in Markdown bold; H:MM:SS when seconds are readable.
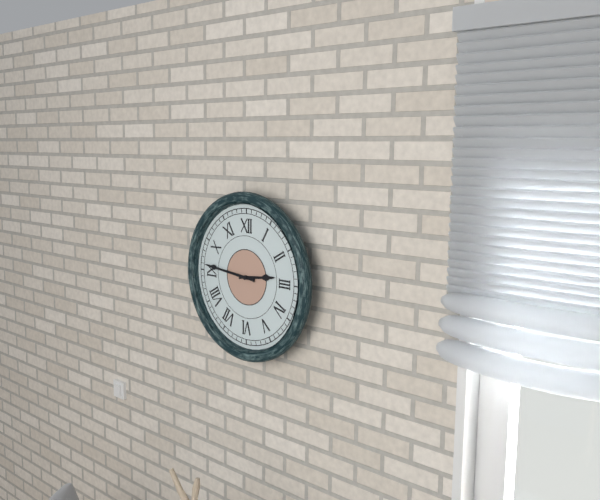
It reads **2:46**
